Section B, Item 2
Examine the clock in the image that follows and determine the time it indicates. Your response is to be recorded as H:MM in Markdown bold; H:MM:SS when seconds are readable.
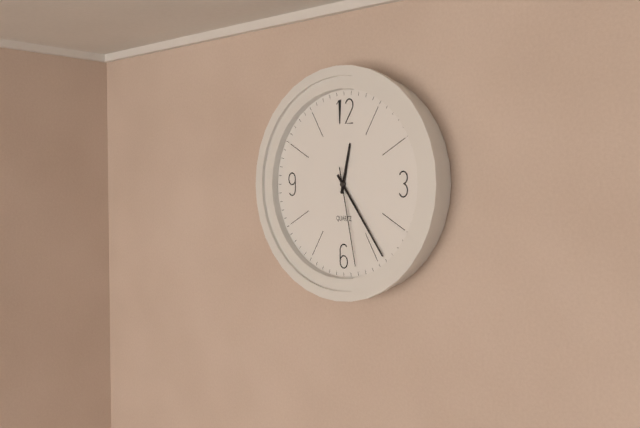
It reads **12:24:28**
